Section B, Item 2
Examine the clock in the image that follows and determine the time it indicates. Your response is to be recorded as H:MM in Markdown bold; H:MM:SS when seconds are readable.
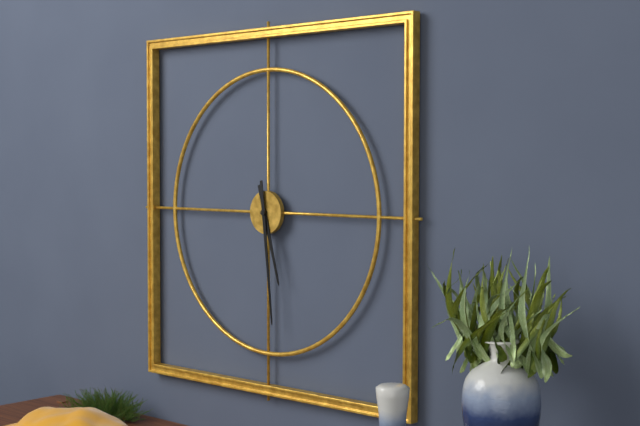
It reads **5:29**
